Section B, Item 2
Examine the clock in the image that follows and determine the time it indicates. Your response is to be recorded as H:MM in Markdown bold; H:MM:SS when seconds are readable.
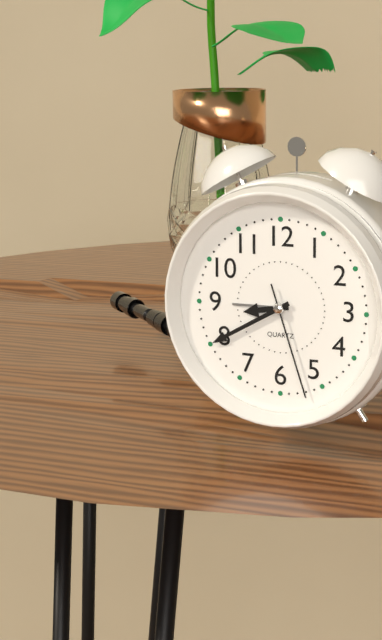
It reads **8:40:27**
